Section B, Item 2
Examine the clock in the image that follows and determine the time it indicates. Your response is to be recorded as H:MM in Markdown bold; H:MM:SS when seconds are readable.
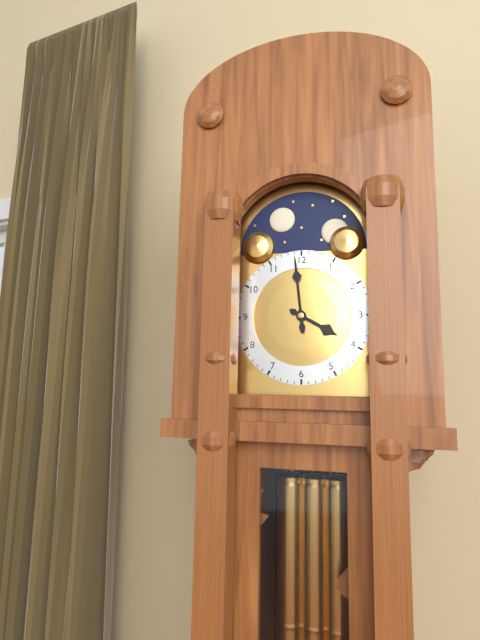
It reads **3:59**
